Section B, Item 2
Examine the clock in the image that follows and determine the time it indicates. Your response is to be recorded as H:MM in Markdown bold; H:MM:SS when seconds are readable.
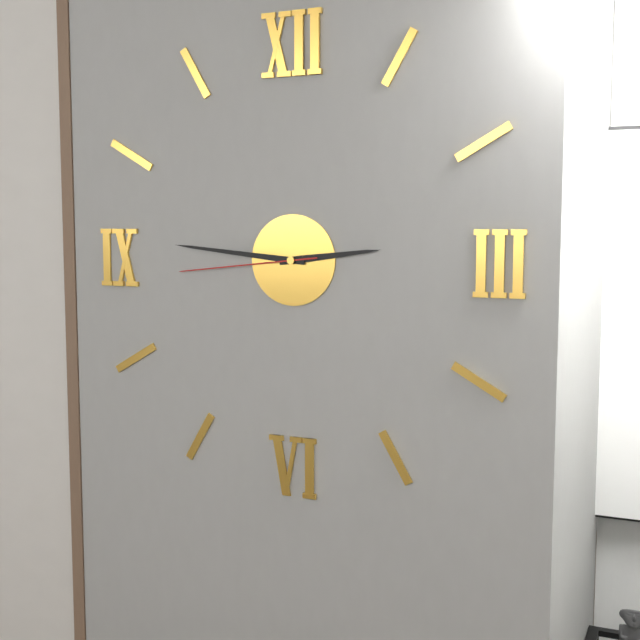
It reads **2:46:44**
